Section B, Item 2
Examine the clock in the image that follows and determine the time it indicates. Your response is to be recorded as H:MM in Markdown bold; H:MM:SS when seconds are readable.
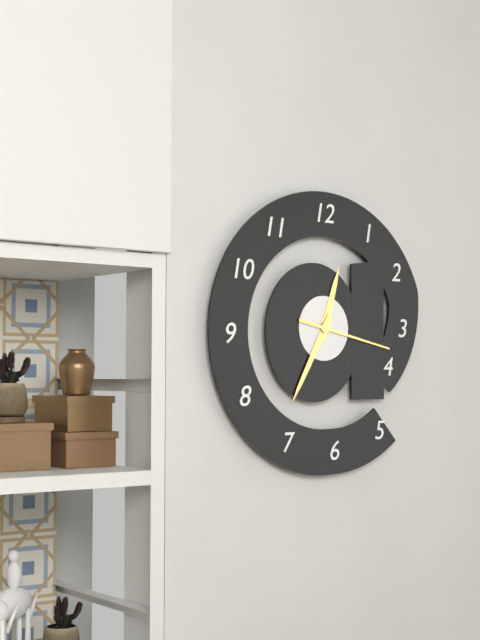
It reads **12:35:17**
